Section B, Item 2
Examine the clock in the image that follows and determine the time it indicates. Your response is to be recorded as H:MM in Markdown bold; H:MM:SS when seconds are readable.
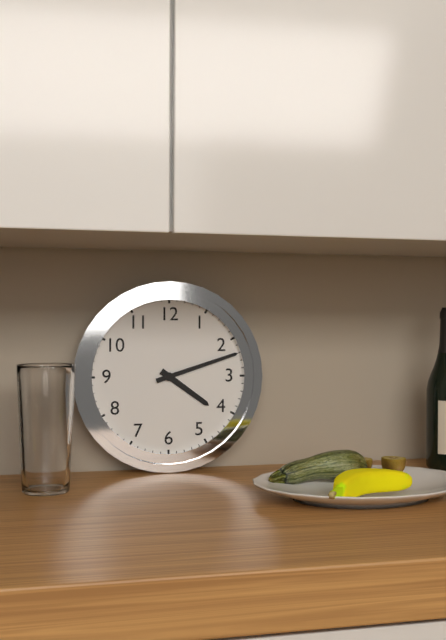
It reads **4:12**
